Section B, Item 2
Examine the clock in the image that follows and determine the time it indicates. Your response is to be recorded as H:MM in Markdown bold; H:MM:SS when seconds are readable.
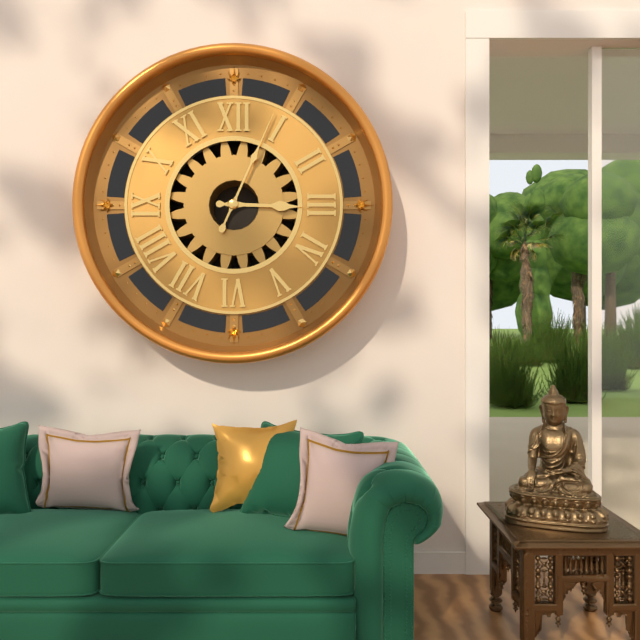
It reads **3:04**
